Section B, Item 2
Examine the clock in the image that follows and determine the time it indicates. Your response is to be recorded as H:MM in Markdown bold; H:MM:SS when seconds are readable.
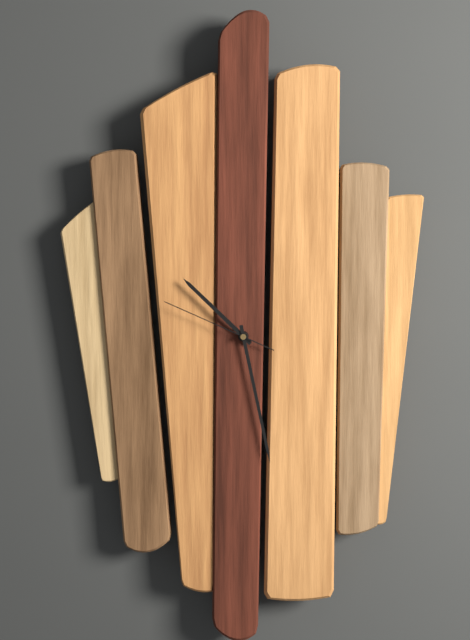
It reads **10:28:49**
